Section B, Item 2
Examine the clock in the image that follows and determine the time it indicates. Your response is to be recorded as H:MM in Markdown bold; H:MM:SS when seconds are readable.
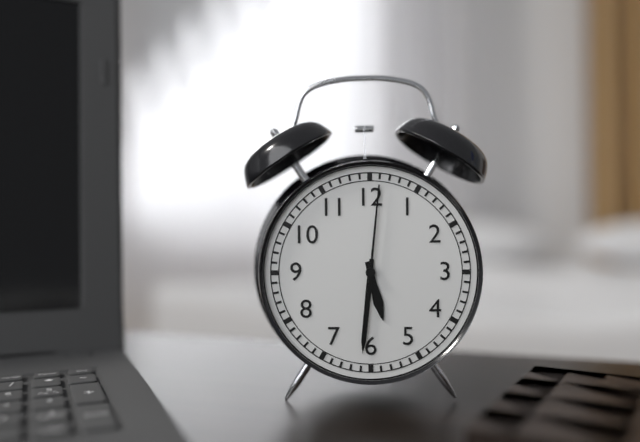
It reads **5:31:01**
